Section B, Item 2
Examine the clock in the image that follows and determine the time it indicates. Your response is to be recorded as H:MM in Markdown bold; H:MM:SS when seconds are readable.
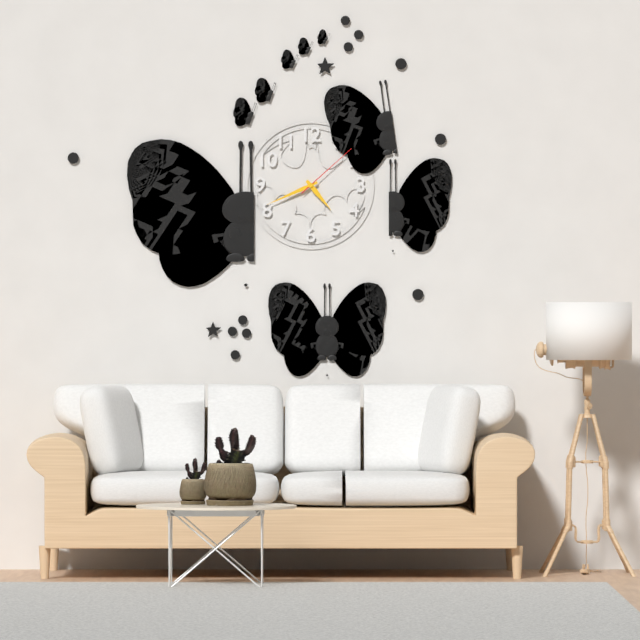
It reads **4:41:08**
